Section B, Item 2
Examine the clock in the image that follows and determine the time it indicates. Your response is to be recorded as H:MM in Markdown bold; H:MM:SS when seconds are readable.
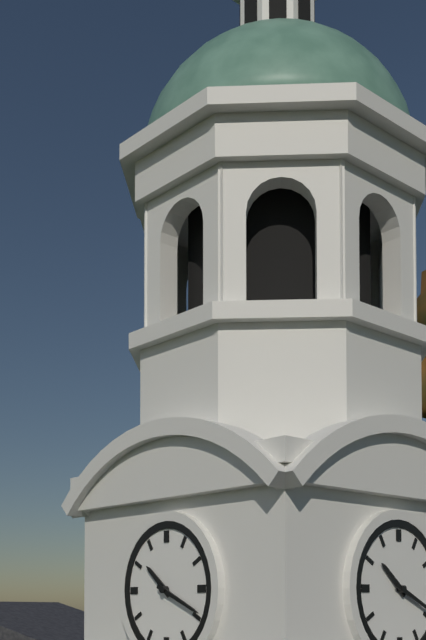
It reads **10:19**
